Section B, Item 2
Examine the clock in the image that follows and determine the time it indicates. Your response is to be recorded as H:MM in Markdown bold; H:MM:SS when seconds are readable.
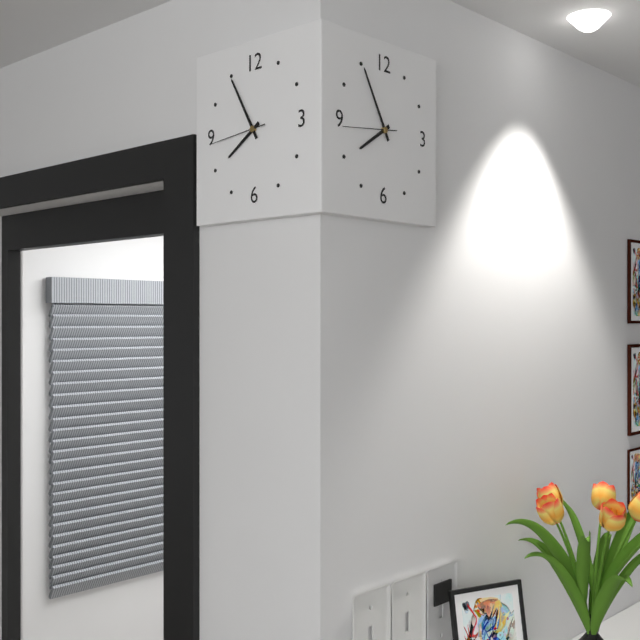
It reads **7:55:44**
